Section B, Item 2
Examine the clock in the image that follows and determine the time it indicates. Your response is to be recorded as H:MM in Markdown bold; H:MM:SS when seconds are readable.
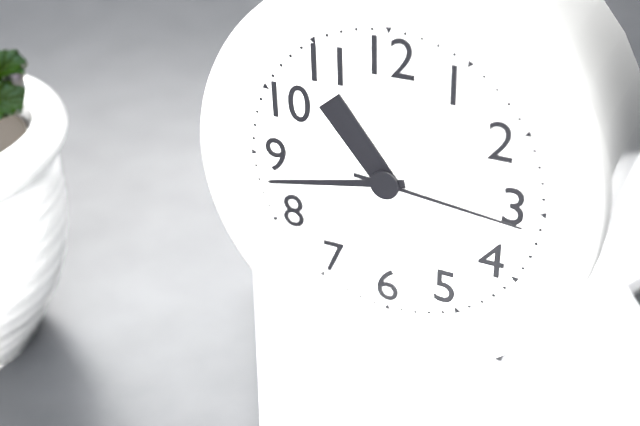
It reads **10:43:16**
